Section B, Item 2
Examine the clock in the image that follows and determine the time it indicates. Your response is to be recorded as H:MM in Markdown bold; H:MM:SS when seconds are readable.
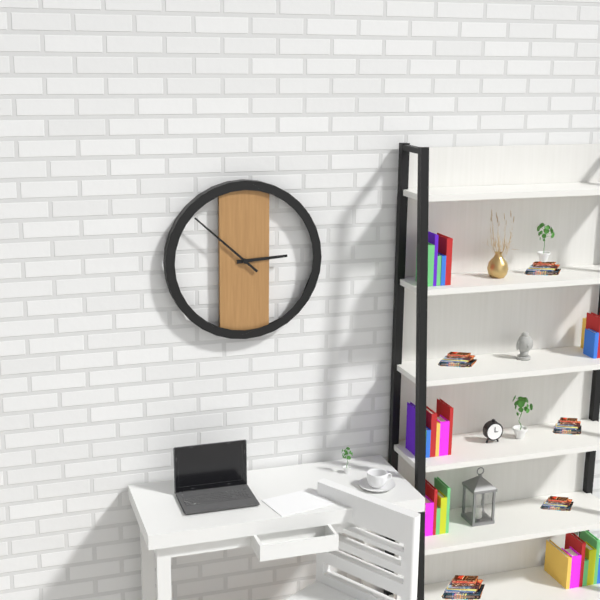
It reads **2:52**
